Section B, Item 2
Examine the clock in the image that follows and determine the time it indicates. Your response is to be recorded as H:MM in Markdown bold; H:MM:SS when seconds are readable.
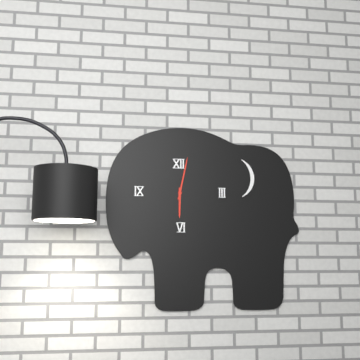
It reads **6:02**
